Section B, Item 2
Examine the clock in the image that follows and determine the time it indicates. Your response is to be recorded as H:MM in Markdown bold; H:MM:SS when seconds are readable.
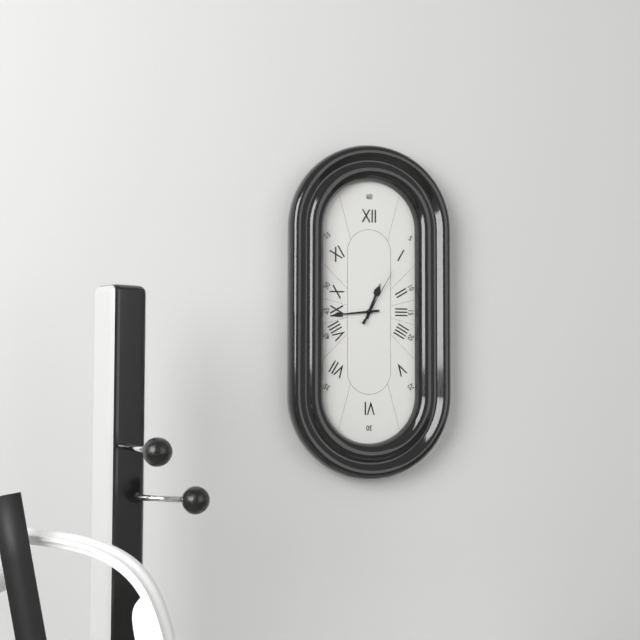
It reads **12:44:05**
